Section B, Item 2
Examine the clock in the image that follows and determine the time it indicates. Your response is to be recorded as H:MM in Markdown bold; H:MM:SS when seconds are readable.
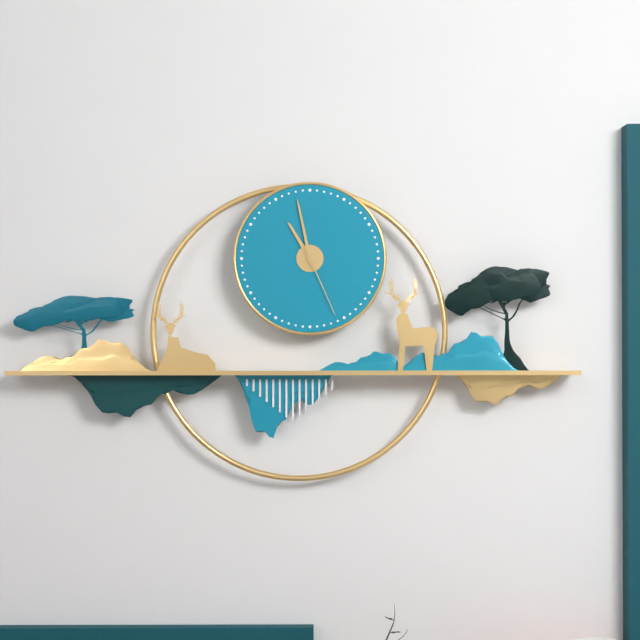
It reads **10:58:26**
